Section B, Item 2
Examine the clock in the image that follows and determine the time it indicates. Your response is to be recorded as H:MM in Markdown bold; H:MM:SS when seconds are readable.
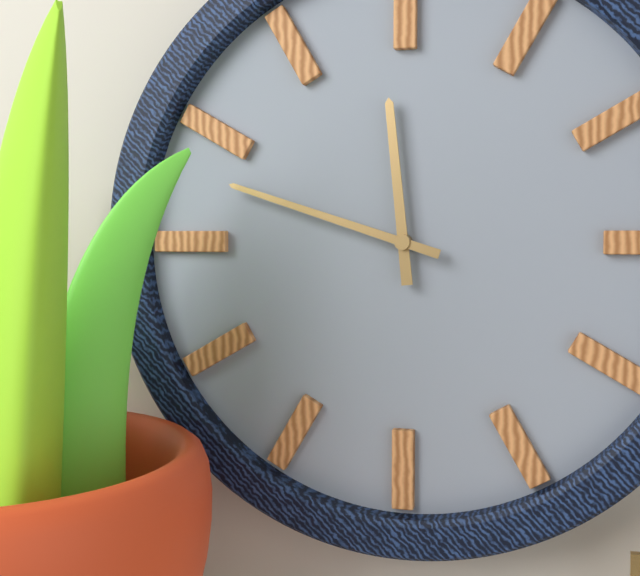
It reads **11:48**
